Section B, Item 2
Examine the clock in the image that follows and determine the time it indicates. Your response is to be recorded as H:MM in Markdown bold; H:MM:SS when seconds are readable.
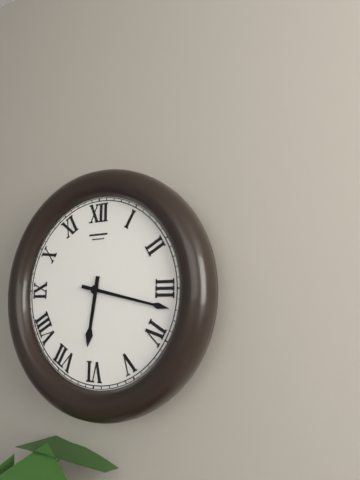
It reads **6:17**
